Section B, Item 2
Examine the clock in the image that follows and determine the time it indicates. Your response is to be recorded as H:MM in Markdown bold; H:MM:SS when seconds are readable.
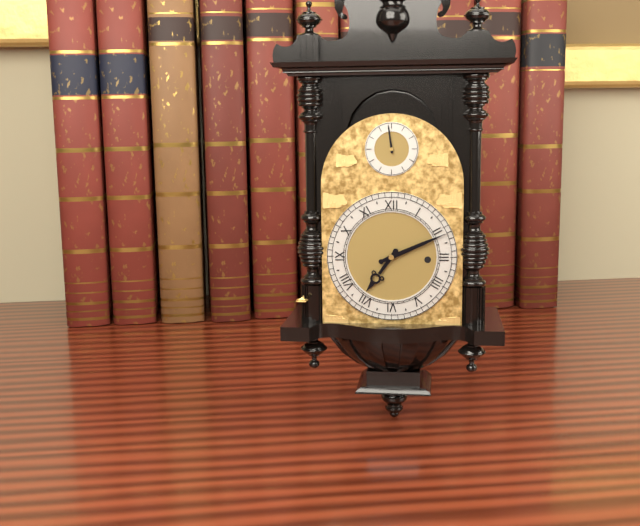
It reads **7:11**
